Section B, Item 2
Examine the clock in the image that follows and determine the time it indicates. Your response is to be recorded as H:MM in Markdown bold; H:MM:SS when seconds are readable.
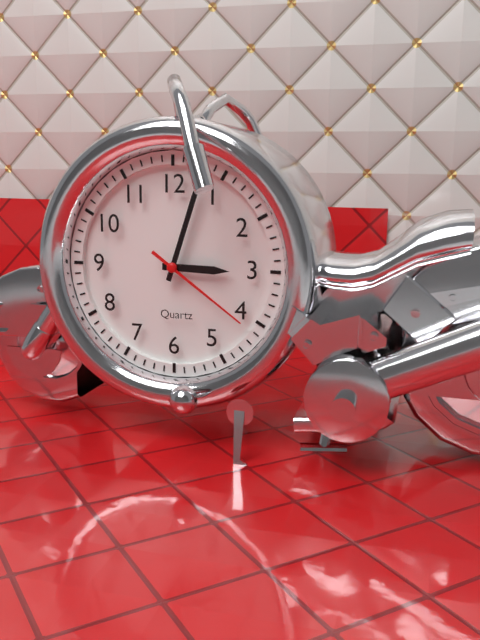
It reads **3:03:21**
